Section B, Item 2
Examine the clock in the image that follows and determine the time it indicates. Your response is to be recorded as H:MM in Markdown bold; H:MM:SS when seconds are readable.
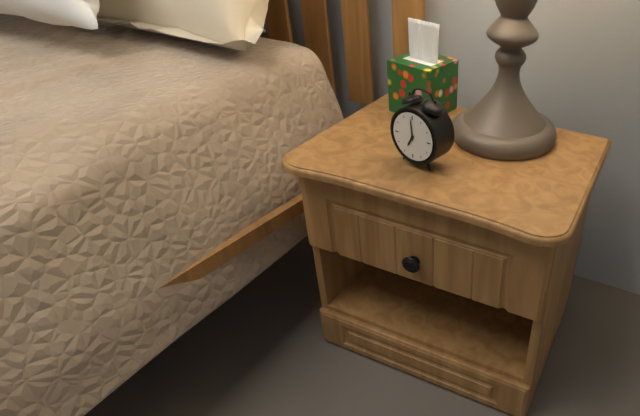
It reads **6:59**
